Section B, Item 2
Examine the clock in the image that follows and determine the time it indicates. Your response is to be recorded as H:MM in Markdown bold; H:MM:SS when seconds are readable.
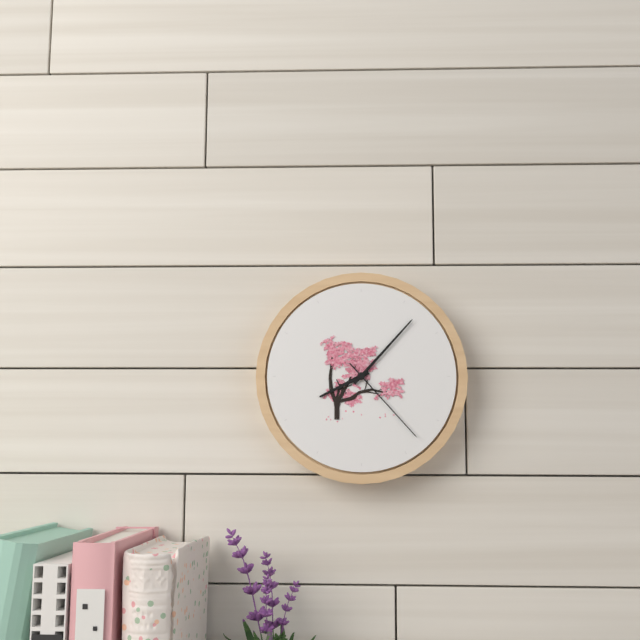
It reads **8:07:23**
